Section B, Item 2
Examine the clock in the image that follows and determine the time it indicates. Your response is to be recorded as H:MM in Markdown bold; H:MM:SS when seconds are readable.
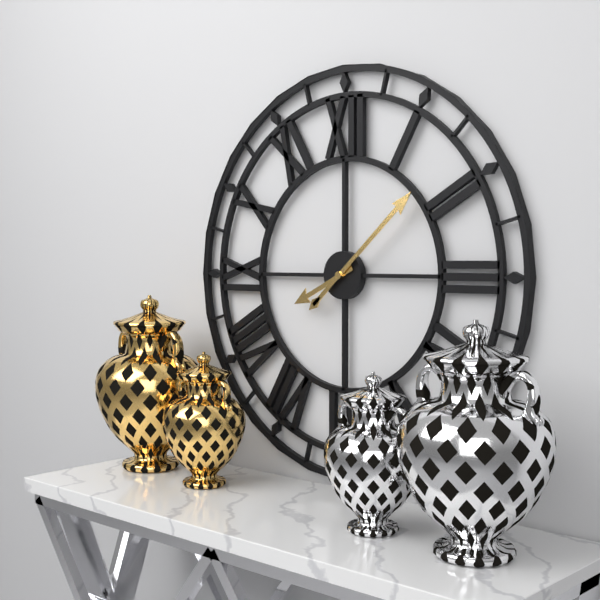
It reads **8:08**
